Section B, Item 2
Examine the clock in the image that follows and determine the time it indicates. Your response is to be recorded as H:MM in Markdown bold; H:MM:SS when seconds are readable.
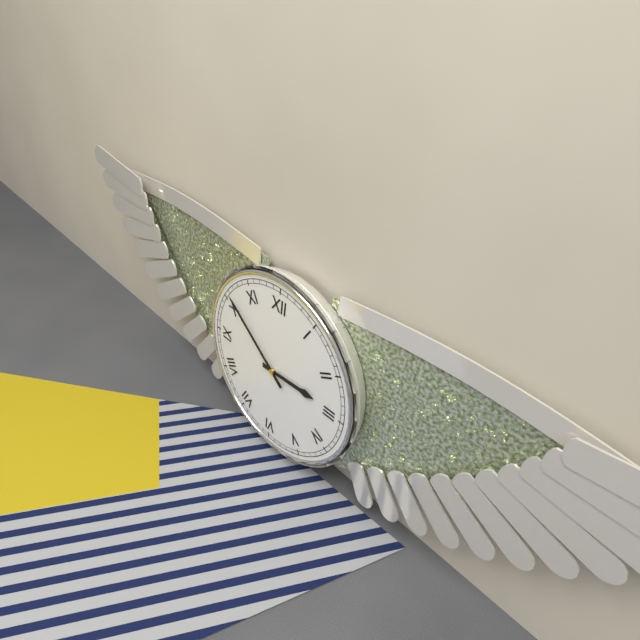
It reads **2:51**
